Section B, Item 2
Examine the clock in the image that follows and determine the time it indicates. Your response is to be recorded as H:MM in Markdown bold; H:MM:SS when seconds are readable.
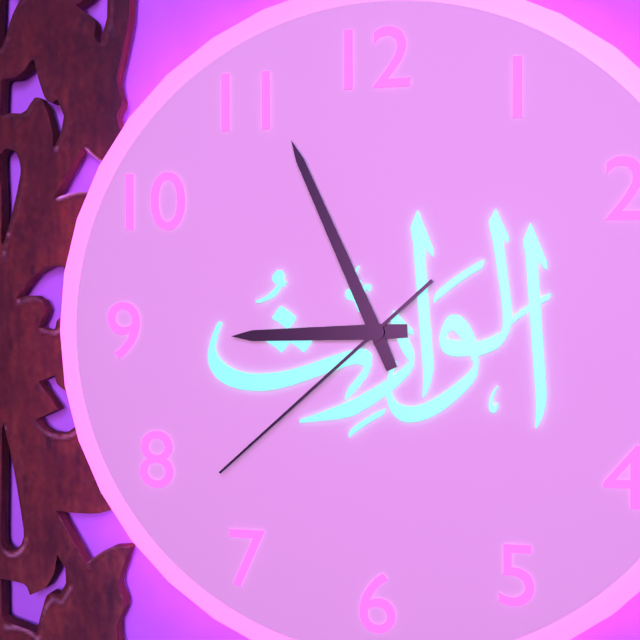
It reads **8:56:38**
